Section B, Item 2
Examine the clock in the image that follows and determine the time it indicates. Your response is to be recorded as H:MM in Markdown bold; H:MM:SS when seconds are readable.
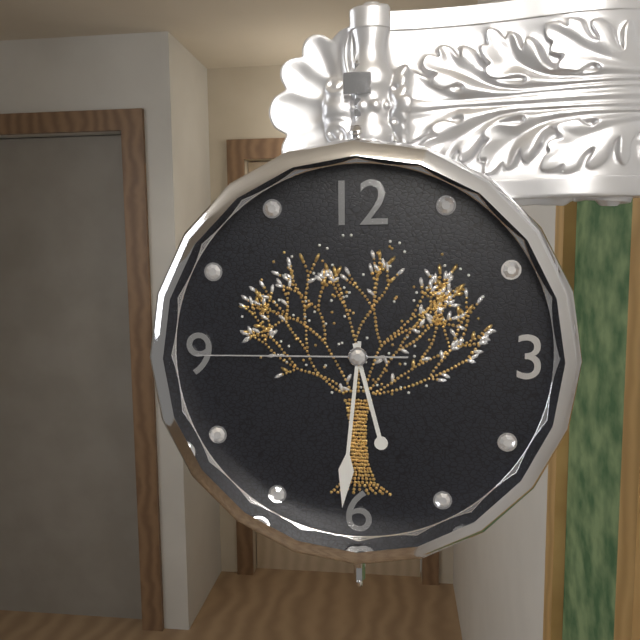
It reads **5:31:45**
